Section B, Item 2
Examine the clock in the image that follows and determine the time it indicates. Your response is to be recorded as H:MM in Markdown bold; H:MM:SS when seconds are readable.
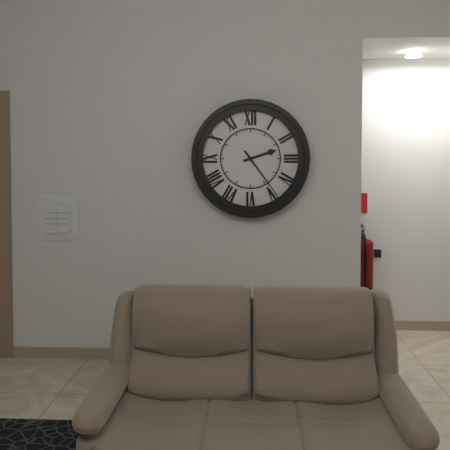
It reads **2:24**
